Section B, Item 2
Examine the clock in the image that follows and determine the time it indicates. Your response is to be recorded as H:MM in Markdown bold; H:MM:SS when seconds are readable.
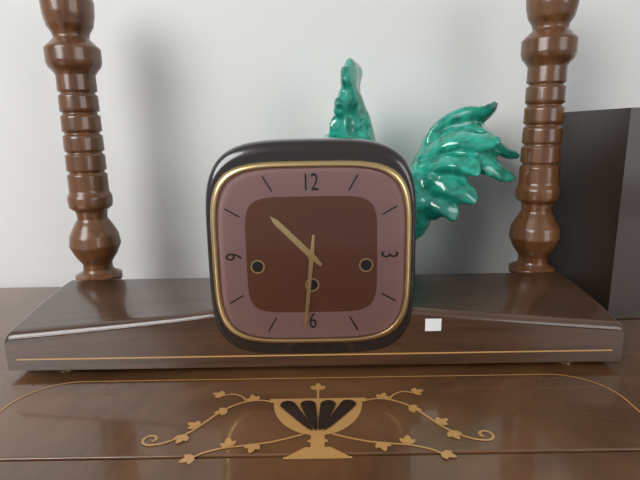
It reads **10:31**
